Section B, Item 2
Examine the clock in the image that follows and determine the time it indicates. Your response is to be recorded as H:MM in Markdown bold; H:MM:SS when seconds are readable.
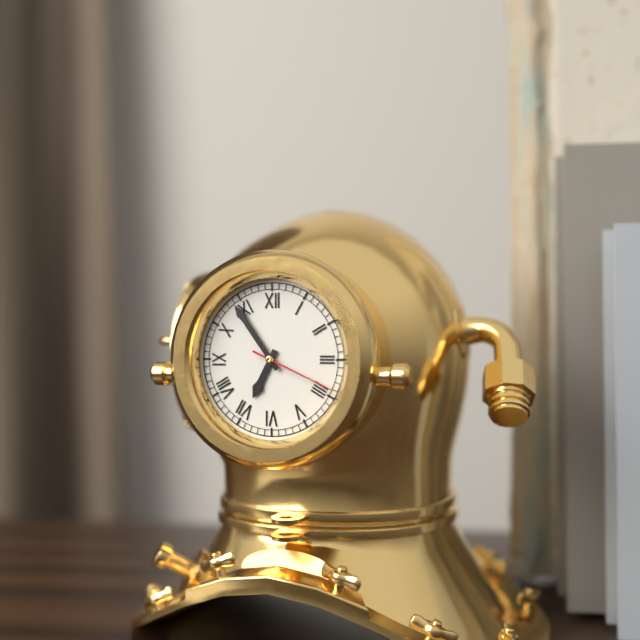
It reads **6:54:19**
